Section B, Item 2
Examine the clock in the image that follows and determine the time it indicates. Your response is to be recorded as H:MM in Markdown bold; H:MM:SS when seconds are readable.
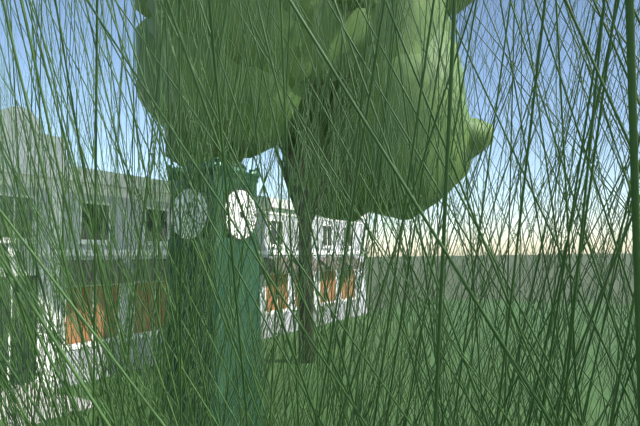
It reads **12:21**
